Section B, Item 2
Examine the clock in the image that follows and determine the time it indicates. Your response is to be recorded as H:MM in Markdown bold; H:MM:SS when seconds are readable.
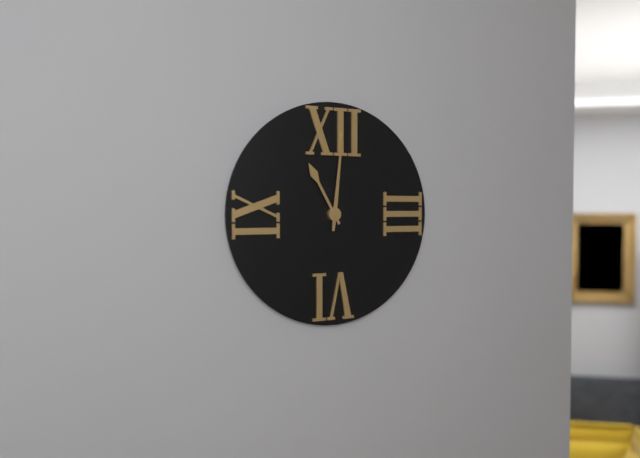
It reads **11:01**
